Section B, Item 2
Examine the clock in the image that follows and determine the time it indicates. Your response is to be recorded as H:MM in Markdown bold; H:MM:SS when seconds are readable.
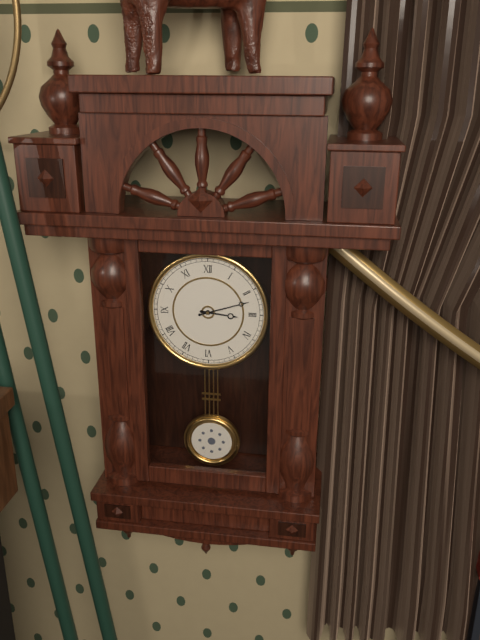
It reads **3:12**
